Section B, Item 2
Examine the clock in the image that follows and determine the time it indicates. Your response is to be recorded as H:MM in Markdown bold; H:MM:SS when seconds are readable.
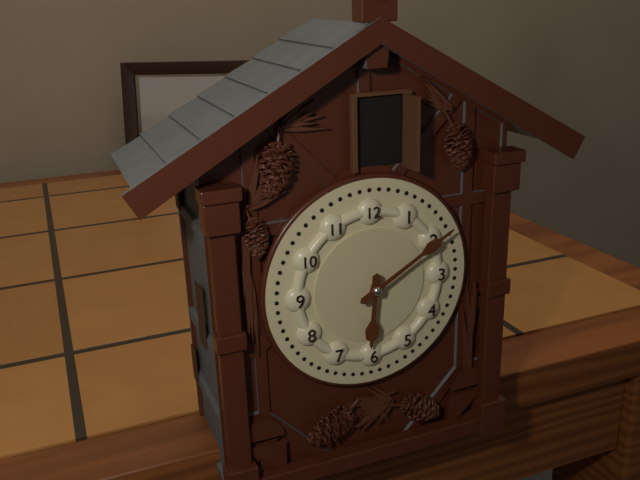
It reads **6:10**
